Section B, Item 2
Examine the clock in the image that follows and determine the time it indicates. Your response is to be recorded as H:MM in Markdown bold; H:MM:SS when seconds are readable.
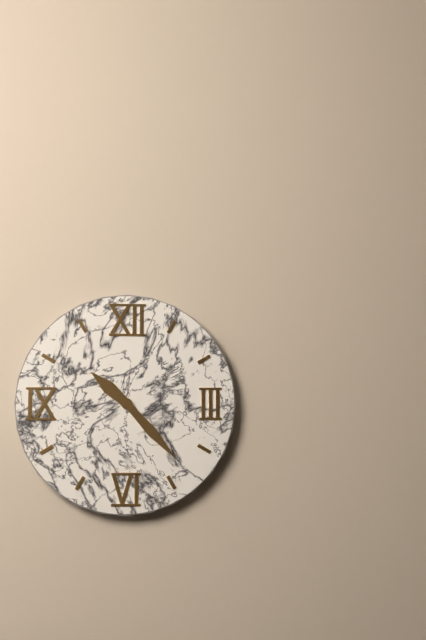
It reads **10:23**
